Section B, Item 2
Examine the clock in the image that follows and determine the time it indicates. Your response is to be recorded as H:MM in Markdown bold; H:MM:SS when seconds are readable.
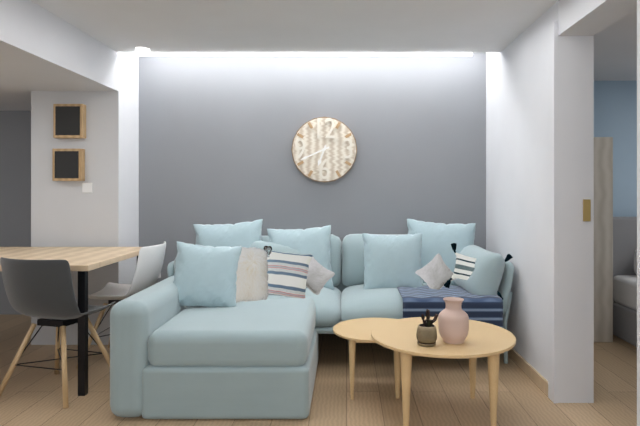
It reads **6:41**
